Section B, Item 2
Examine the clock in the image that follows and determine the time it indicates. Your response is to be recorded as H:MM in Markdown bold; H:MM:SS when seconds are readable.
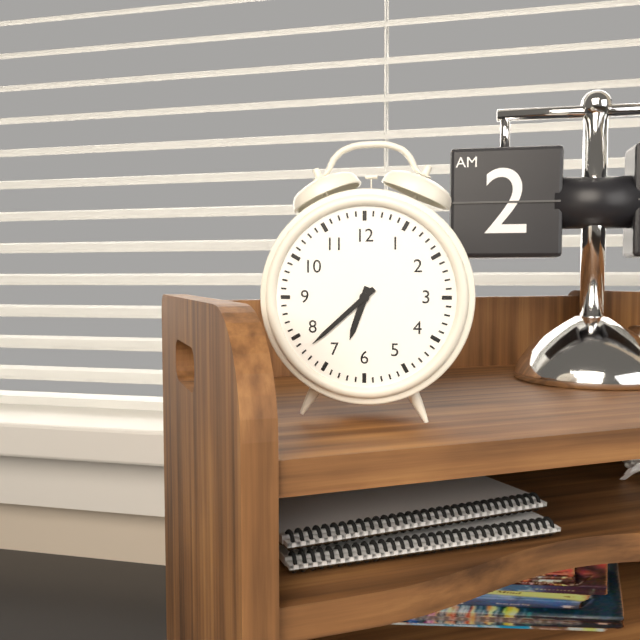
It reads **6:38**
